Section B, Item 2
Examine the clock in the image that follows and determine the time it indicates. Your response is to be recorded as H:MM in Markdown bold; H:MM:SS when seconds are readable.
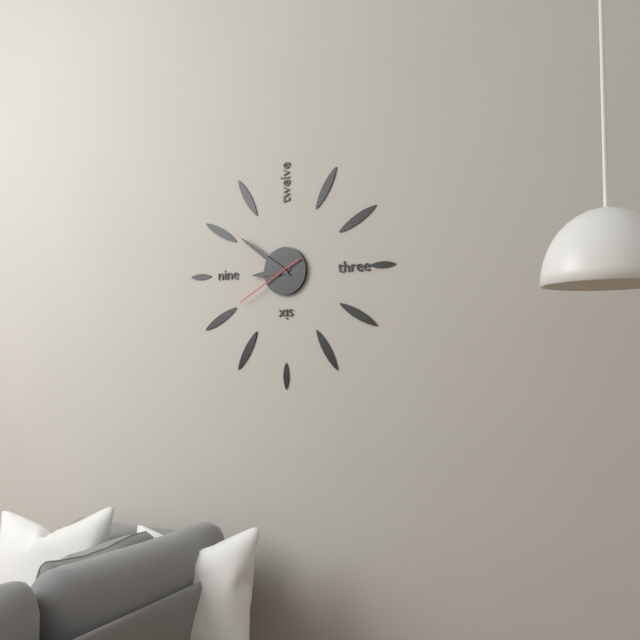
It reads **8:51:40**
